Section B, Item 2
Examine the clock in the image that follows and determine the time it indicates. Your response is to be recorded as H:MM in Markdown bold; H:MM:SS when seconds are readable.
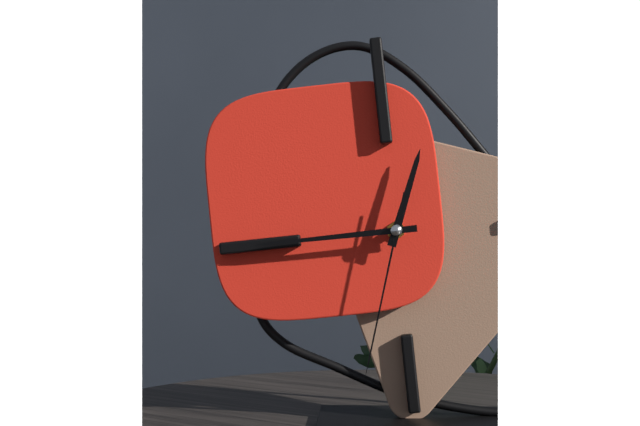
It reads **12:45:33**
